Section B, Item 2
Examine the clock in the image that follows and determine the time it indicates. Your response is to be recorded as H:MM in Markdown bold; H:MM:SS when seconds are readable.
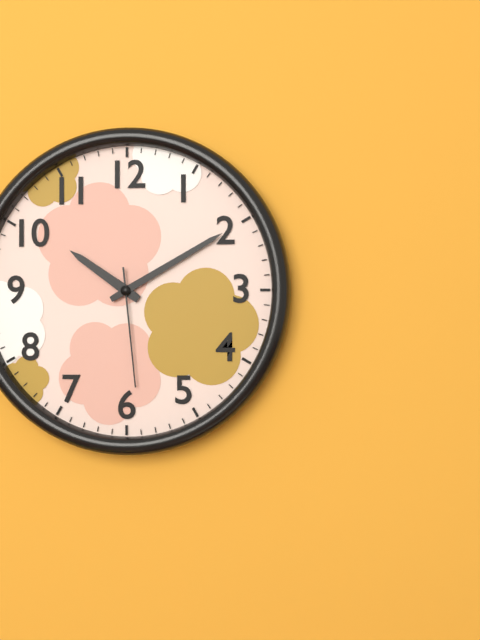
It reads **10:10:29**
